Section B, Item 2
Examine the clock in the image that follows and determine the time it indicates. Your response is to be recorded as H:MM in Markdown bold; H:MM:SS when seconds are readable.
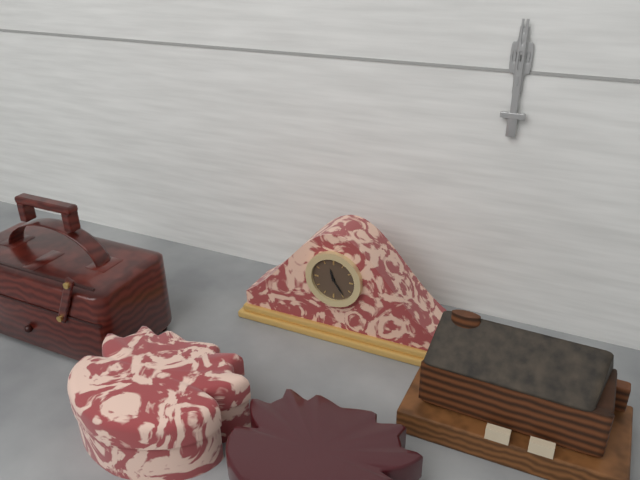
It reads **11:24**
